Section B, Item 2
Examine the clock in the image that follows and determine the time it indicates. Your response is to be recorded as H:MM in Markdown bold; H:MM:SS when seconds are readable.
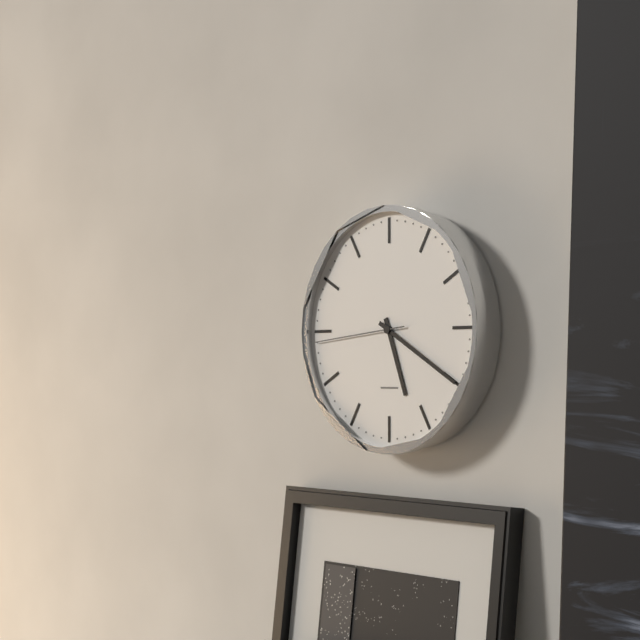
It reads **5:20:44**
